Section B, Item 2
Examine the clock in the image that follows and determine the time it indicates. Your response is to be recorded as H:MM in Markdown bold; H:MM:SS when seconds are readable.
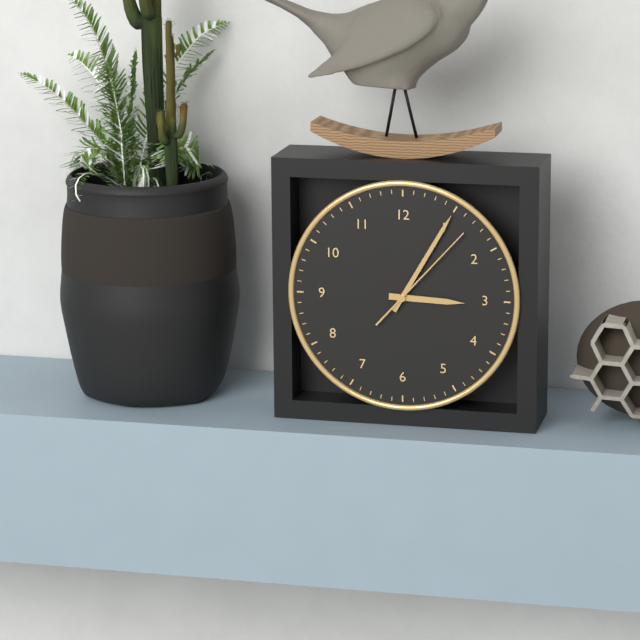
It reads **3:05:07**
